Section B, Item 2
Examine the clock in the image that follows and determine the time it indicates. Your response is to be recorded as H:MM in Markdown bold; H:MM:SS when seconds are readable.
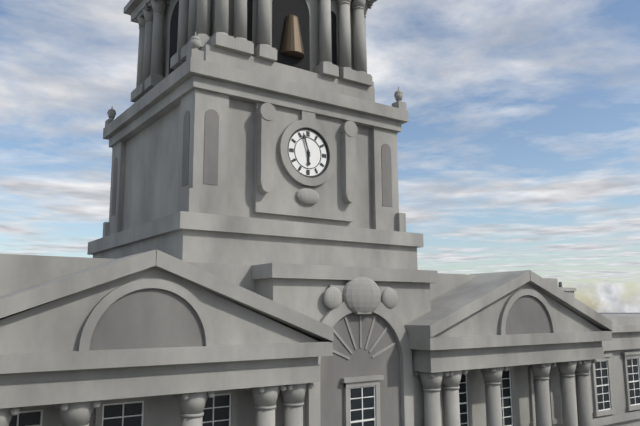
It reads **5:57**
